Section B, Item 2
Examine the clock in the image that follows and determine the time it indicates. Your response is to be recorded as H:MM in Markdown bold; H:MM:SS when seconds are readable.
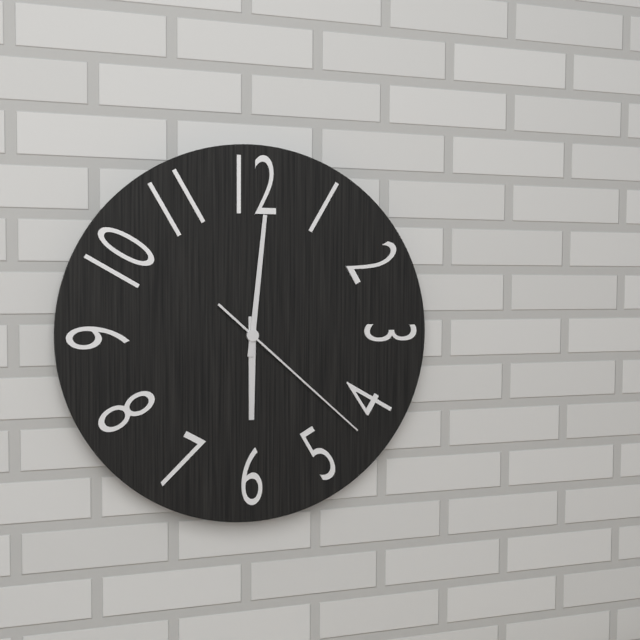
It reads **6:01:22**
